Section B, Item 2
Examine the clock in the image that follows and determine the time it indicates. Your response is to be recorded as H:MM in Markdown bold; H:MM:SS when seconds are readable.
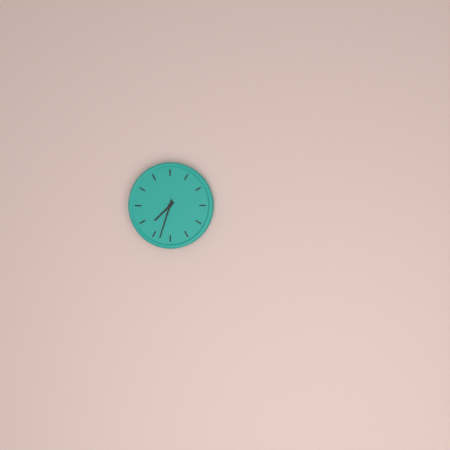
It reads **7:33**
